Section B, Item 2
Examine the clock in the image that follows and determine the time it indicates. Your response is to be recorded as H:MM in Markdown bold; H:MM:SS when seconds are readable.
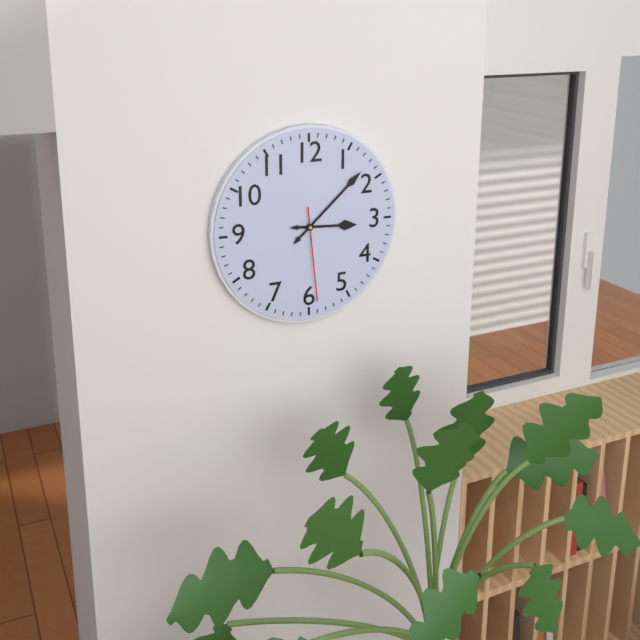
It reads **3:08:29**
